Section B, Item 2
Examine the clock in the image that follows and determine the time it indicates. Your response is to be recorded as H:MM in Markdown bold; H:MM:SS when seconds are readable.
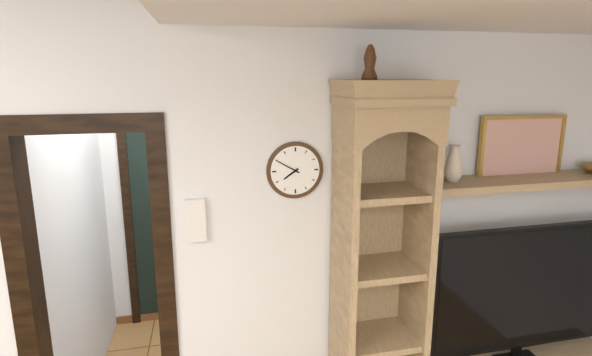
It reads **7:50**
